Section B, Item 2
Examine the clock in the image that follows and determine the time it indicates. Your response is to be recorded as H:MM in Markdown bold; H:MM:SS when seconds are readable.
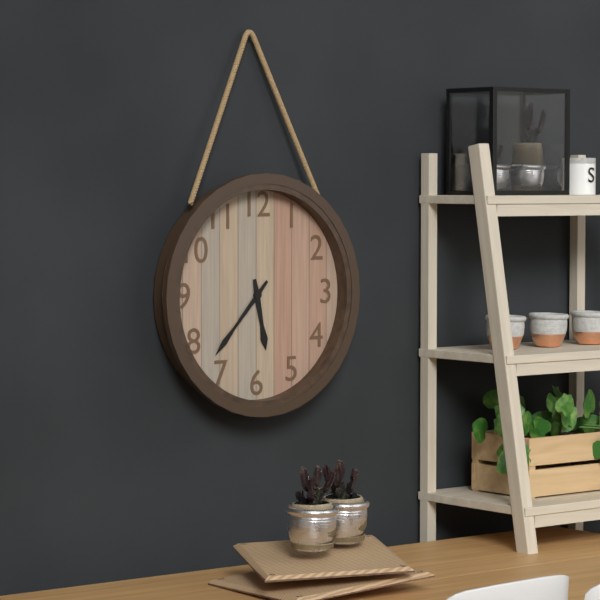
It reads **5:37**
